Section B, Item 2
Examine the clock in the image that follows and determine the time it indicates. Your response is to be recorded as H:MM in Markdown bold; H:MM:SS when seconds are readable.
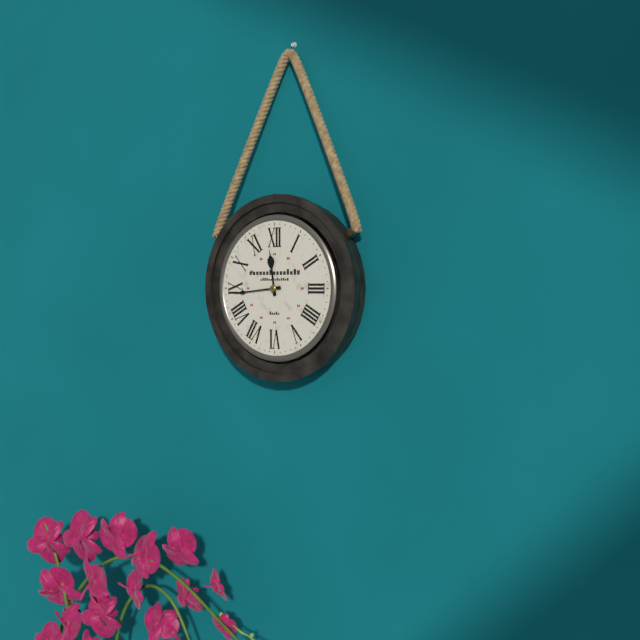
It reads **11:44**
